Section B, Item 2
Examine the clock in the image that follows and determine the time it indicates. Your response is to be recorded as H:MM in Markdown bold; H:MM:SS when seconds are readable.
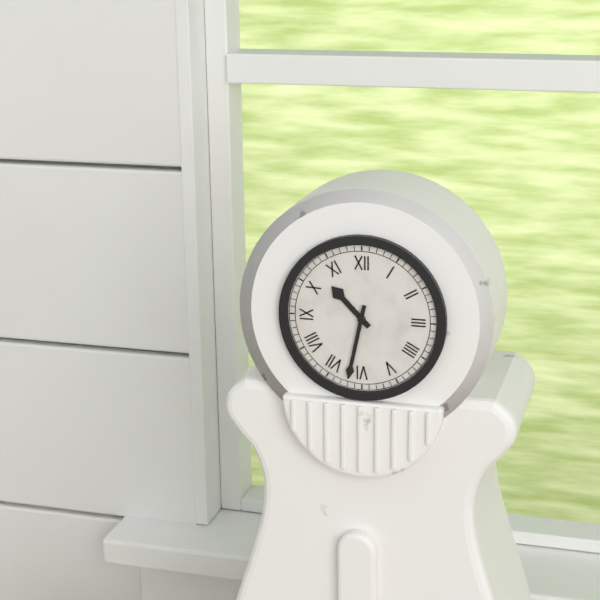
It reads **10:32**
